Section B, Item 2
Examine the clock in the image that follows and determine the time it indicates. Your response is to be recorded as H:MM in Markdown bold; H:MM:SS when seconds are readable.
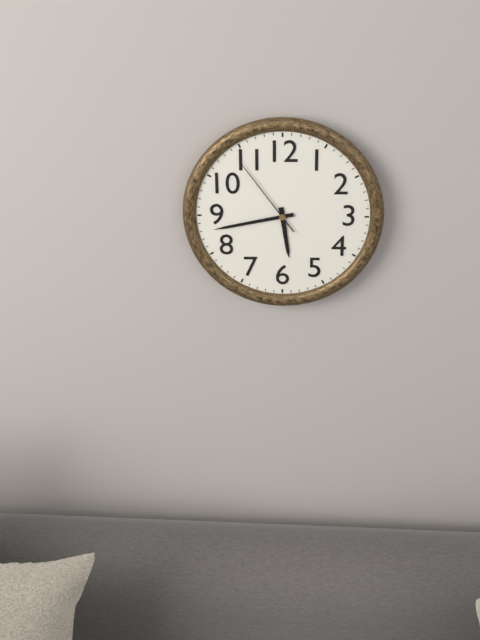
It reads **5:43:54**
